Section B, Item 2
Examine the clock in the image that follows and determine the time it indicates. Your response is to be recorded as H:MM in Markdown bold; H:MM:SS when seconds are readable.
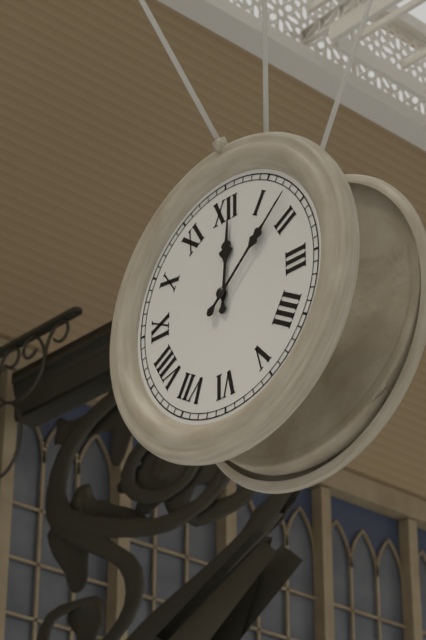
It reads **12:08**
